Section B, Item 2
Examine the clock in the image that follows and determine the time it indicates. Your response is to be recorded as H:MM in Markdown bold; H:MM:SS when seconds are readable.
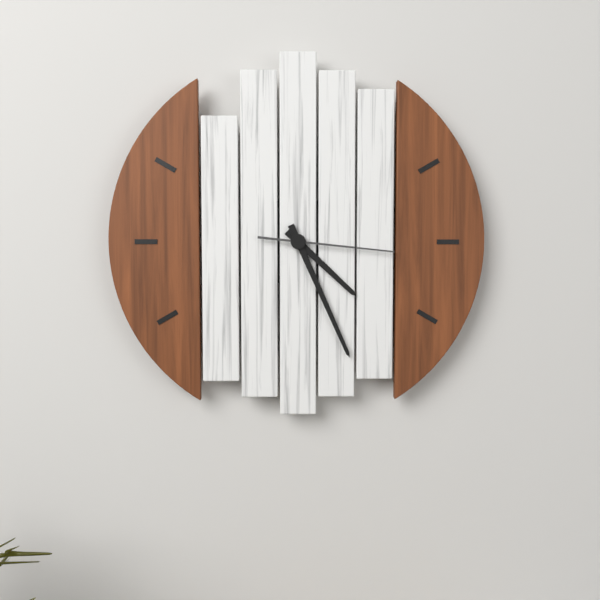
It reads **4:26:16**
